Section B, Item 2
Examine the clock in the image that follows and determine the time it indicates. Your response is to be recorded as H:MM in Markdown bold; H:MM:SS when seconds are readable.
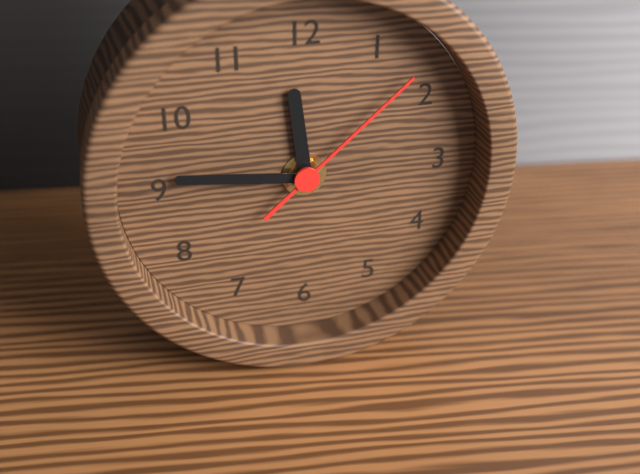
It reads **11:46:08**
